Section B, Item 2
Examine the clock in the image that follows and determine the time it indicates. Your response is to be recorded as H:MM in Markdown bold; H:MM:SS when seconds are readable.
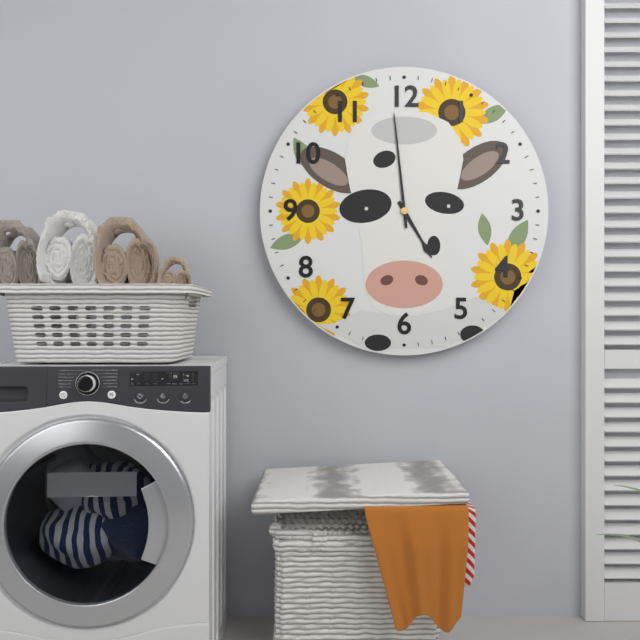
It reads **4:59**
